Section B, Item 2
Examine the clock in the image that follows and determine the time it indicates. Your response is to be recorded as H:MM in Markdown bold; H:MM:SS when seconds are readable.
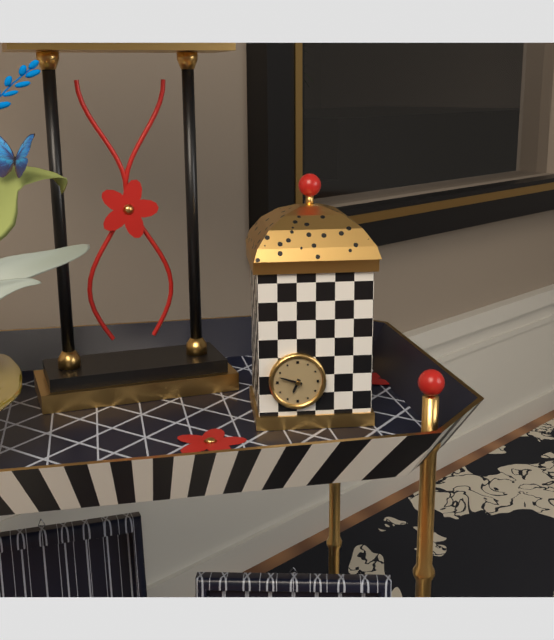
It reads **6:48**
